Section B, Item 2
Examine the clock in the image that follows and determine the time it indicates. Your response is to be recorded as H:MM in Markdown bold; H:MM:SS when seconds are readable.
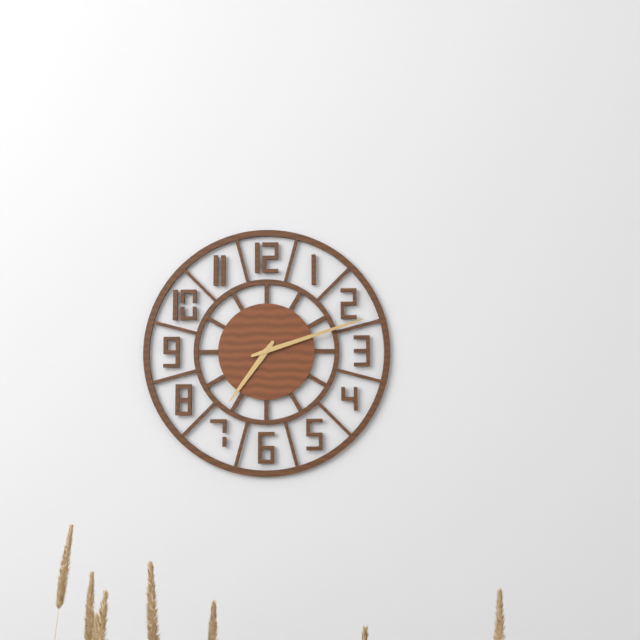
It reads **7:12**
